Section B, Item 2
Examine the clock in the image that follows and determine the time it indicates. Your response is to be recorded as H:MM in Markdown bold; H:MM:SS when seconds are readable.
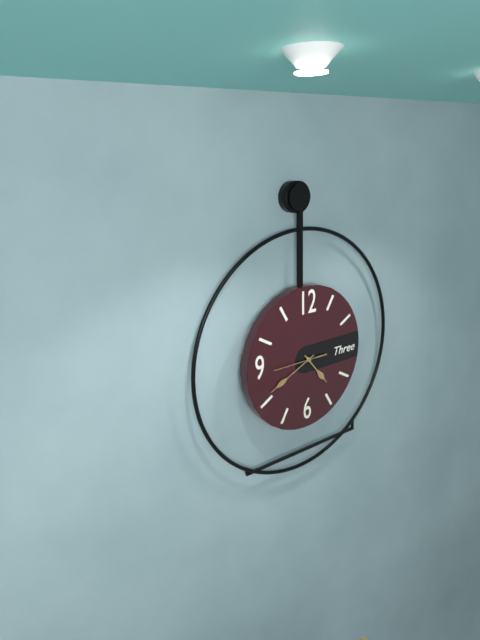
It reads **4:41**
